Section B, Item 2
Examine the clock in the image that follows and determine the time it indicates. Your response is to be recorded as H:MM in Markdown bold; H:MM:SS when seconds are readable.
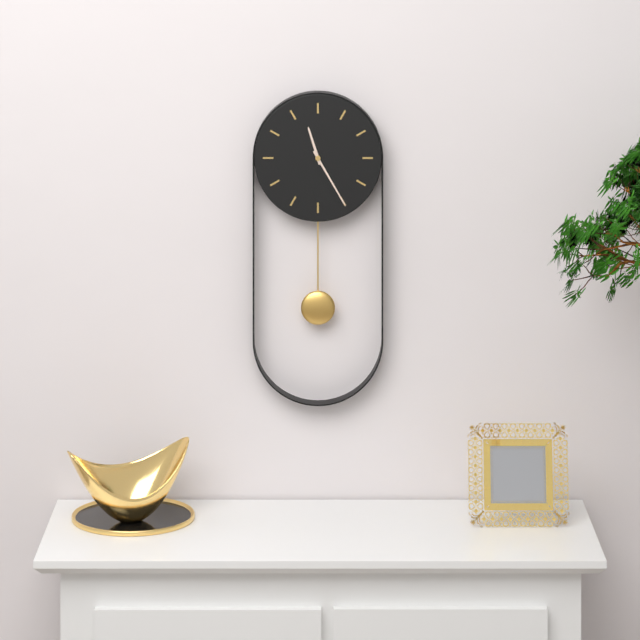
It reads **11:25**
